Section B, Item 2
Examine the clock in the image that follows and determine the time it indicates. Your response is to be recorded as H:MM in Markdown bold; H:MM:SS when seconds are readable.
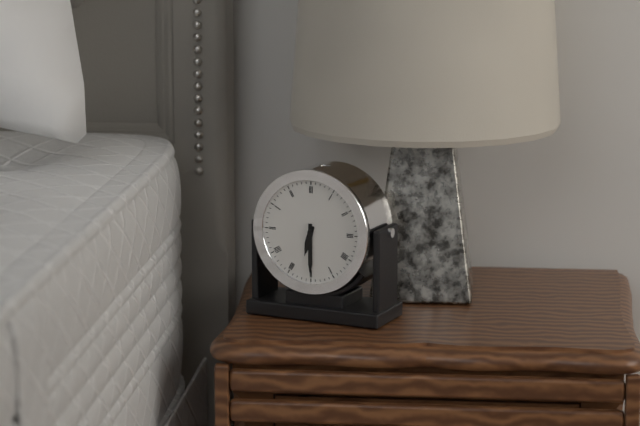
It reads **6:30**
